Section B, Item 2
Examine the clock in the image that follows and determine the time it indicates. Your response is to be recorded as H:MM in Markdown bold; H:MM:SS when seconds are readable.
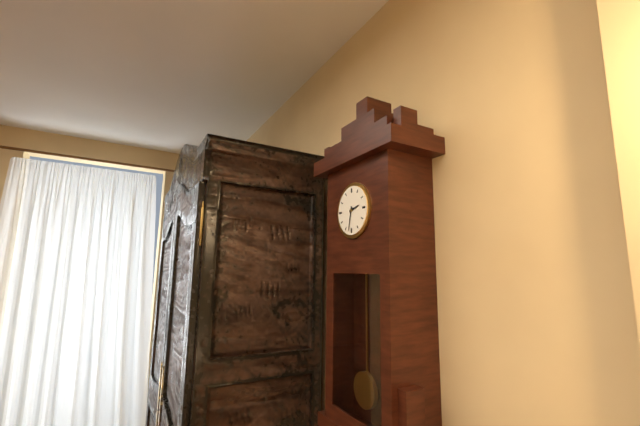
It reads **2:32**
